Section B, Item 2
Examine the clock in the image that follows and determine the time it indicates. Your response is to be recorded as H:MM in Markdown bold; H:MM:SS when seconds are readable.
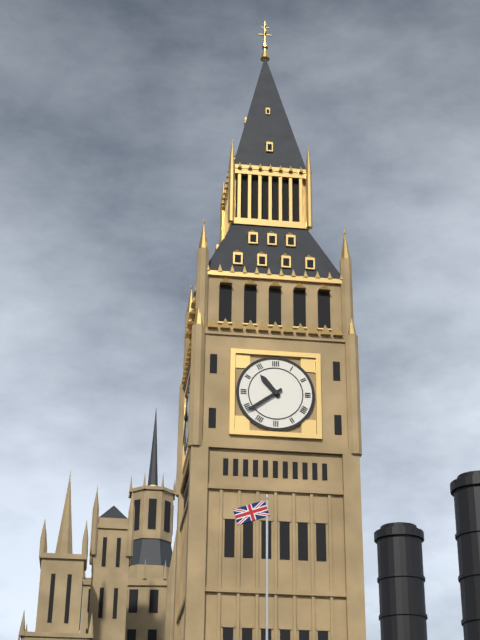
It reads **10:39**
